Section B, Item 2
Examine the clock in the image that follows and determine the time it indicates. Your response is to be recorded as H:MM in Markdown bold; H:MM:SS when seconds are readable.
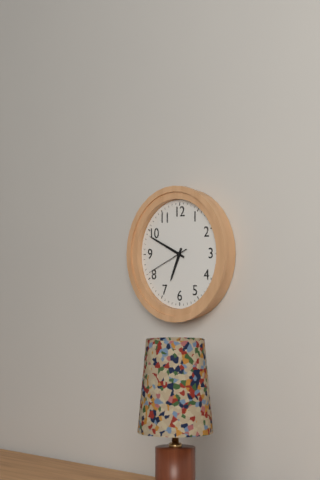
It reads **6:49**
